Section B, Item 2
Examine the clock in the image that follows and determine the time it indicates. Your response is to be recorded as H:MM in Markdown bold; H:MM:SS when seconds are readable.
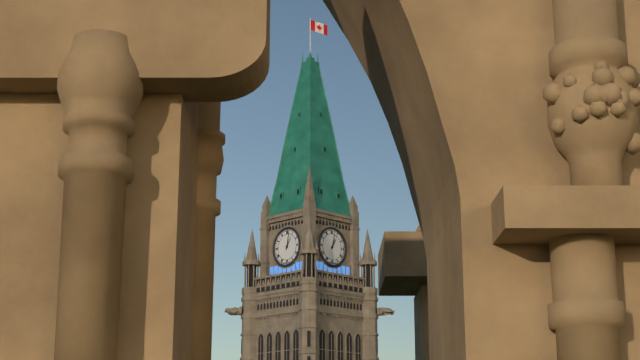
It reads **1:02**
